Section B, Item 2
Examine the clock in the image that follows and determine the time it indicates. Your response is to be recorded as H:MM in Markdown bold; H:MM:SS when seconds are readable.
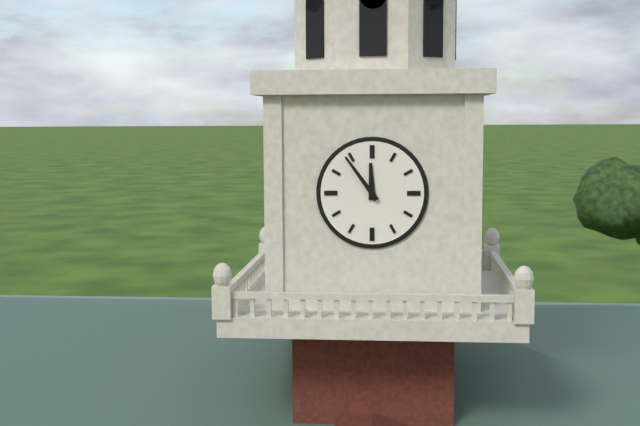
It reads **11:54**
